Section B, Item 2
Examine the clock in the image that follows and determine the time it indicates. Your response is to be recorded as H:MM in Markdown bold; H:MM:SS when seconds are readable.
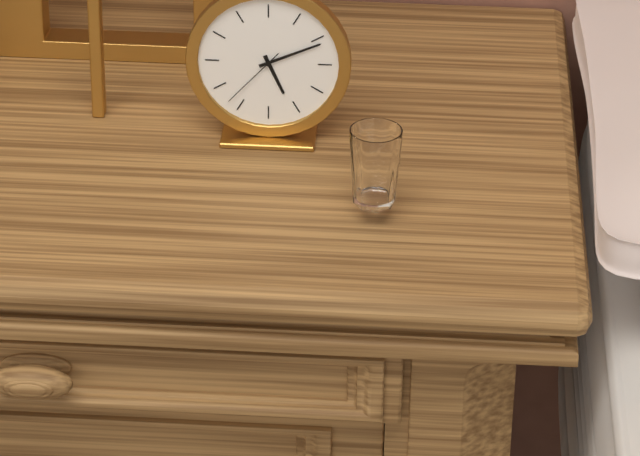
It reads **5:11:37**
